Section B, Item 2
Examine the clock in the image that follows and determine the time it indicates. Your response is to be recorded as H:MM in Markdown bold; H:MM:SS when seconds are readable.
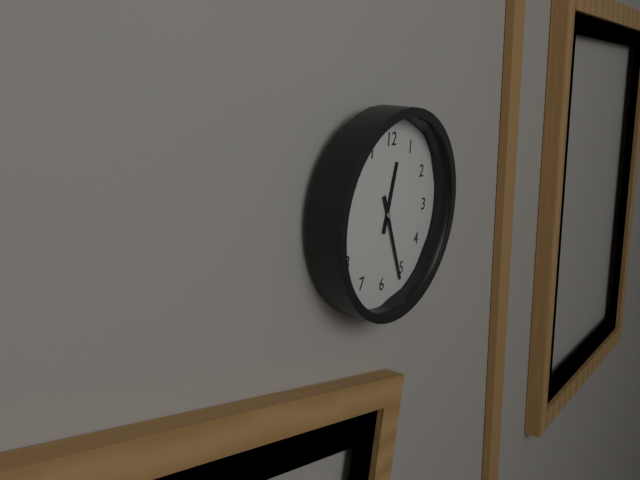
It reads **12:26**
